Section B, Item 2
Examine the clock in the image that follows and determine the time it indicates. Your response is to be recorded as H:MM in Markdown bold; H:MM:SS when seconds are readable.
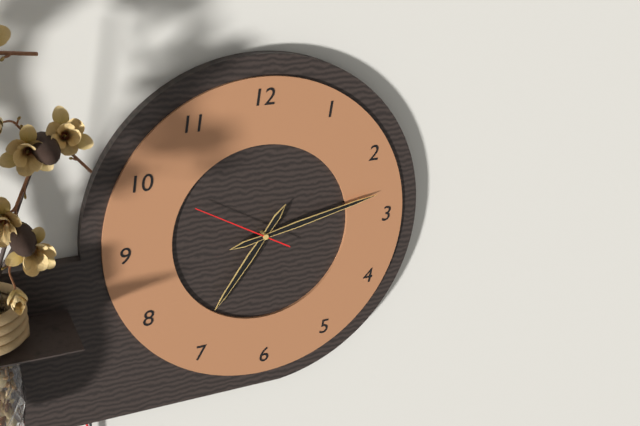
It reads **7:13:50**
